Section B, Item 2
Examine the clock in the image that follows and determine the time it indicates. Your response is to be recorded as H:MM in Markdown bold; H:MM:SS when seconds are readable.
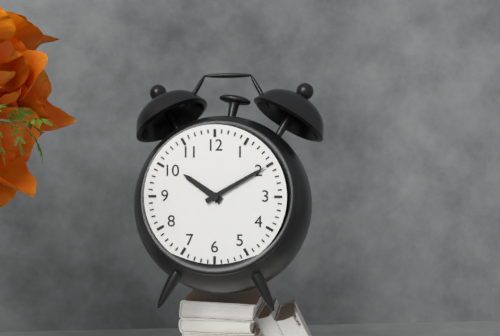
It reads **10:10**
